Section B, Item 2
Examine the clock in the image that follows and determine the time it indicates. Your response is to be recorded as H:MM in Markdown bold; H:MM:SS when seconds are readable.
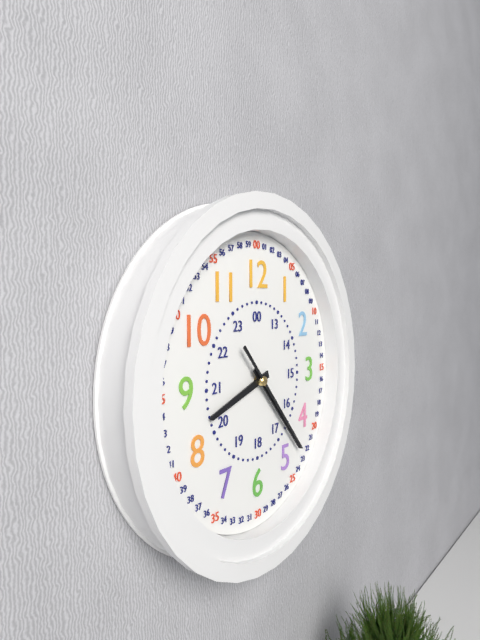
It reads **8:23:23**
